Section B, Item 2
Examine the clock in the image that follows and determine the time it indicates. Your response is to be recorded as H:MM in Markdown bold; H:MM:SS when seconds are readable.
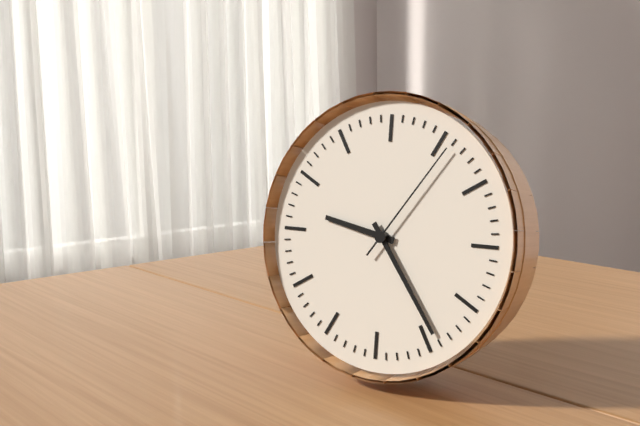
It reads **9:24:06**
